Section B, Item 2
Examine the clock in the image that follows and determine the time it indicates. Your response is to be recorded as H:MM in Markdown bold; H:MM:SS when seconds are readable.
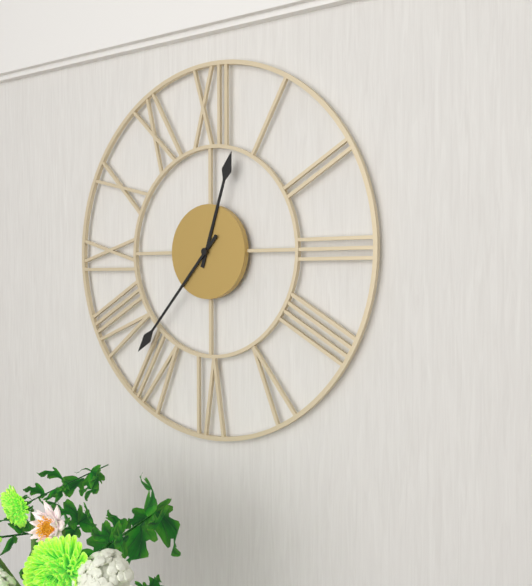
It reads **12:37**
